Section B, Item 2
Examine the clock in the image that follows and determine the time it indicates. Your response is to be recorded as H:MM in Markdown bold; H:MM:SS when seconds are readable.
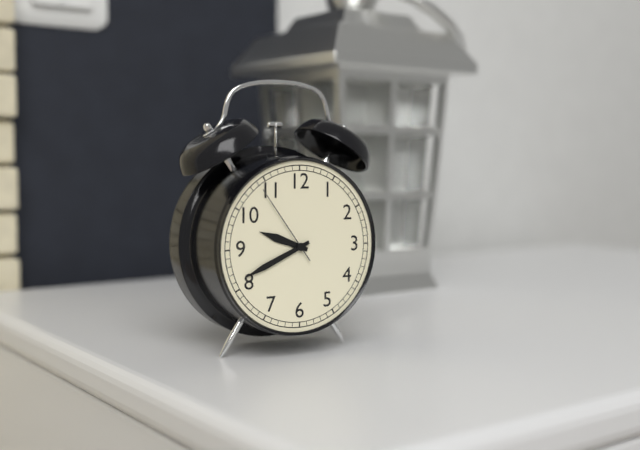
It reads **9:41:54**
